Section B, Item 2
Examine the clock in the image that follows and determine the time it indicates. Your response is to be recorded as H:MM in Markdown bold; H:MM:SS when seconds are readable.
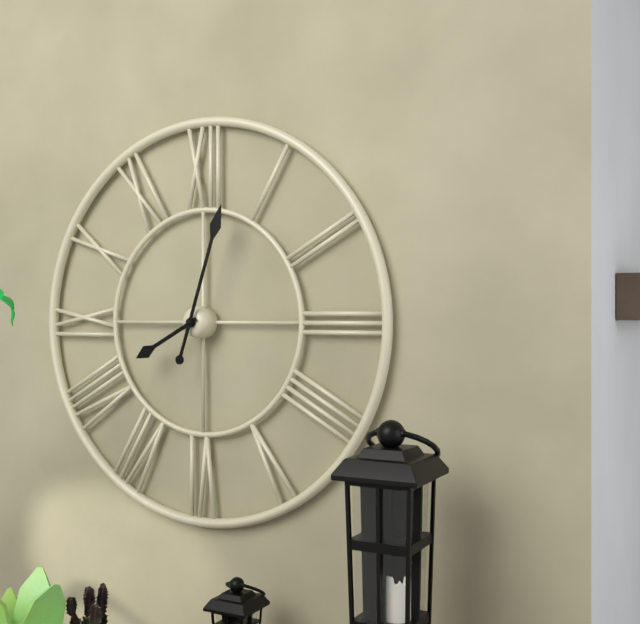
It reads **8:03**
